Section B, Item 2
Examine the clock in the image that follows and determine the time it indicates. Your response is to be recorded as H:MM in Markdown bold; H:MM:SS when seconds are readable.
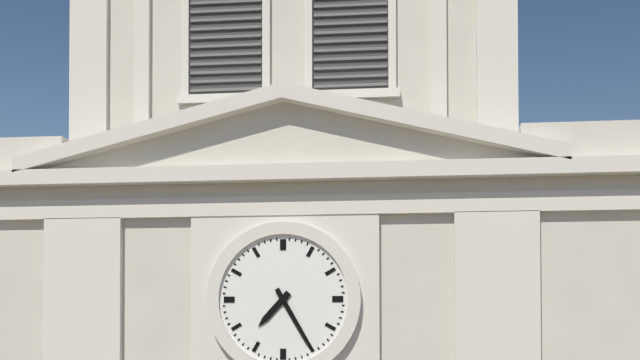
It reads **7:25**
